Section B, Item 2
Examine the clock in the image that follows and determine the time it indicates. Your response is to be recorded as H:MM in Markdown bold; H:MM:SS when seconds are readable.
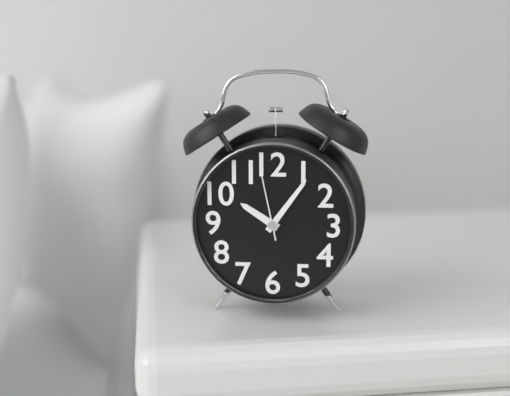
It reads **10:06:58**
